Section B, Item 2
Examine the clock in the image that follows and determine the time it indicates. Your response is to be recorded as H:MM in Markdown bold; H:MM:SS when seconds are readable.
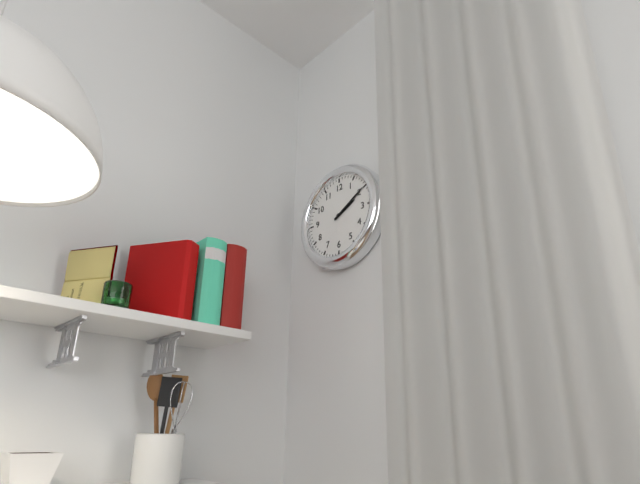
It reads **2:10**
